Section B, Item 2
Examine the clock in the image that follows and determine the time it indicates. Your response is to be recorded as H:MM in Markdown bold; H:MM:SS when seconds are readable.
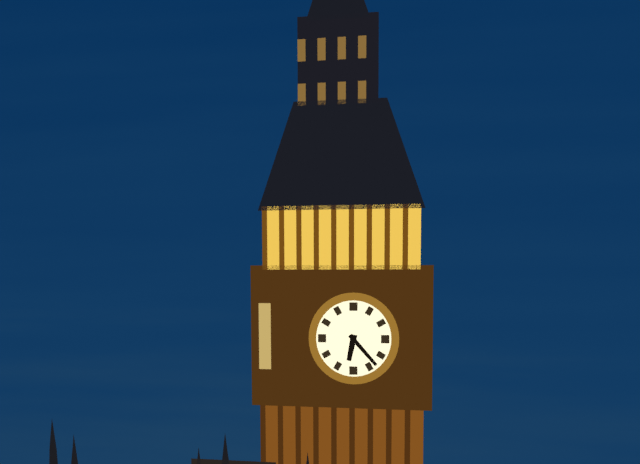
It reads **6:23**
